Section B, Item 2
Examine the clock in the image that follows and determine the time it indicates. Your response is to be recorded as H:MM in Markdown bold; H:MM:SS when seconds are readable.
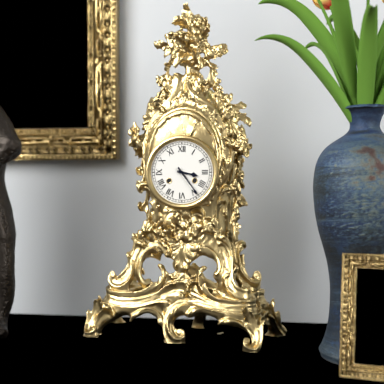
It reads **3:24**
